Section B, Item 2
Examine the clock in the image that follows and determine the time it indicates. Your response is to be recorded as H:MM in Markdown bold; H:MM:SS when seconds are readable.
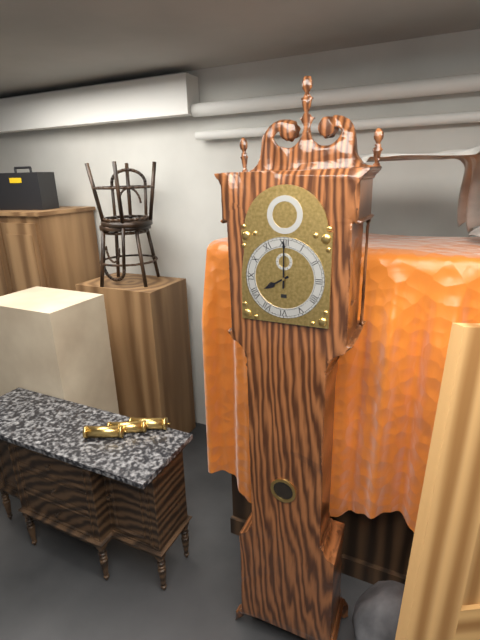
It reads **8:00**
